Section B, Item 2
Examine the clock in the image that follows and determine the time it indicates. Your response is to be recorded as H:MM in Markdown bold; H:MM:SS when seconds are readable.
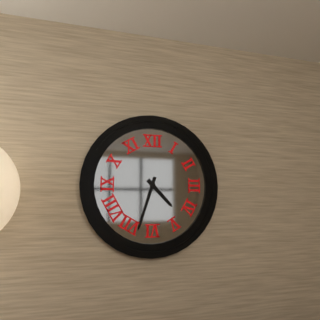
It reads **4:33**
